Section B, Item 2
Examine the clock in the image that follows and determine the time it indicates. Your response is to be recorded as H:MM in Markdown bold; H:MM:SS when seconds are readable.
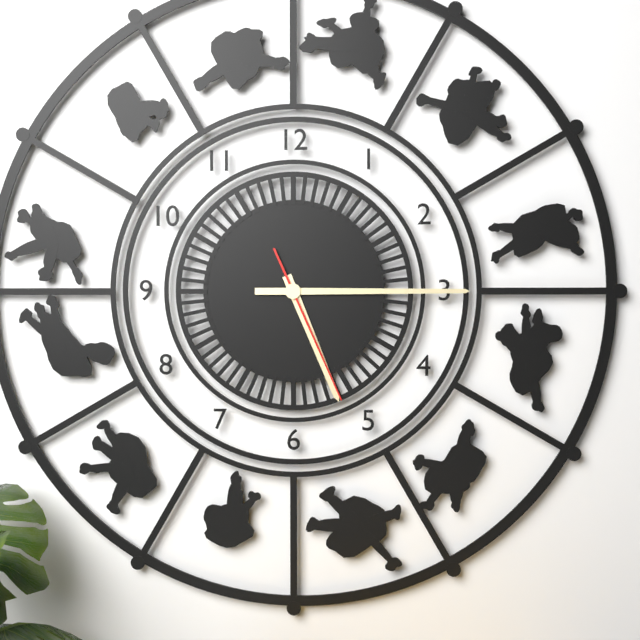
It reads **5:15:26**
